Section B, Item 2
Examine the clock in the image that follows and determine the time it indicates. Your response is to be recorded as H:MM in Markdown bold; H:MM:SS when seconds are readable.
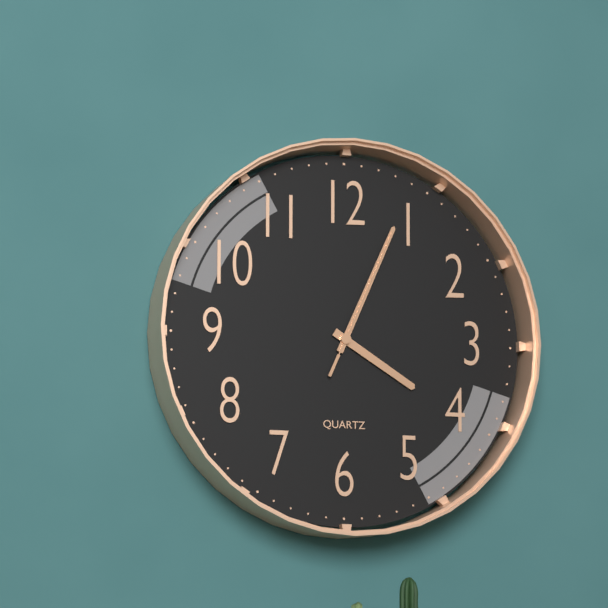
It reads **4:04:04**
